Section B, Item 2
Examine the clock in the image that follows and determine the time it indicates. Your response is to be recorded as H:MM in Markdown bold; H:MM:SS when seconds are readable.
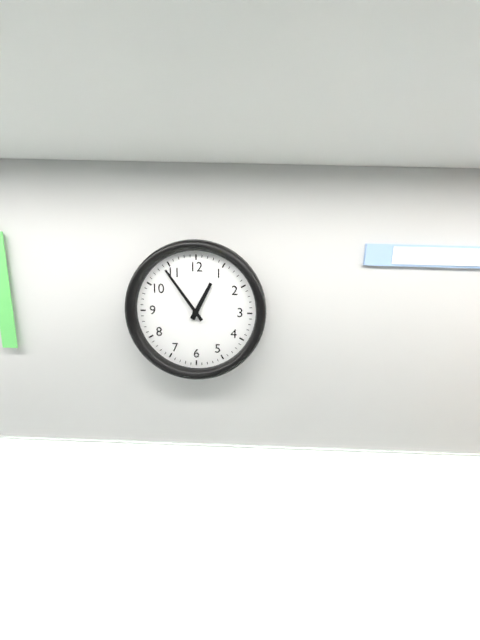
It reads **12:54**
